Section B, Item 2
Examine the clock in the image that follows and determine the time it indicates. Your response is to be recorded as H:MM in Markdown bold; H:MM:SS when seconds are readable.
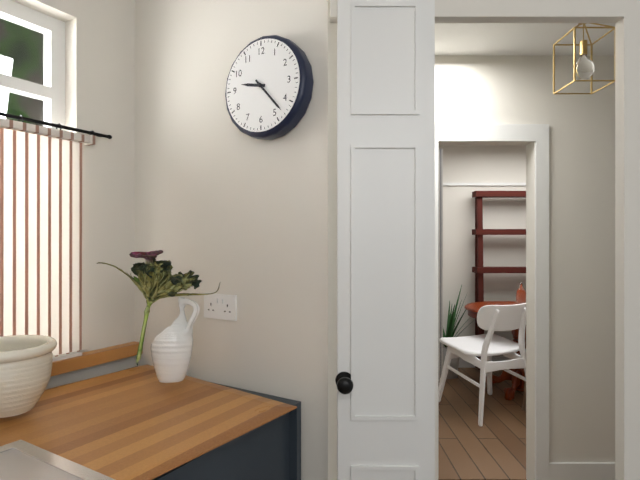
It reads **9:23**
